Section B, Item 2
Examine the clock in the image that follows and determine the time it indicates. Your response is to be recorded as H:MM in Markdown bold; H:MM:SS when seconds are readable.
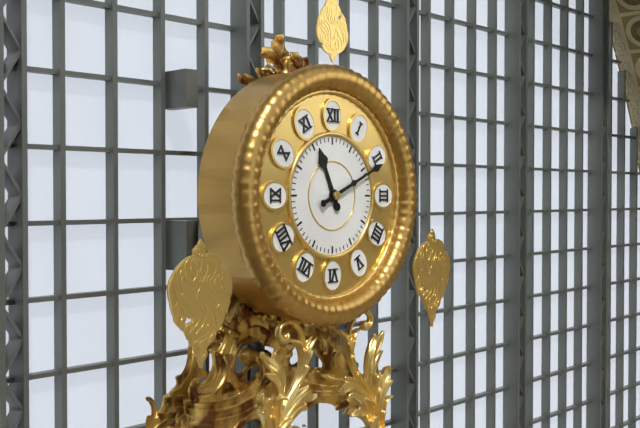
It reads **11:11**
